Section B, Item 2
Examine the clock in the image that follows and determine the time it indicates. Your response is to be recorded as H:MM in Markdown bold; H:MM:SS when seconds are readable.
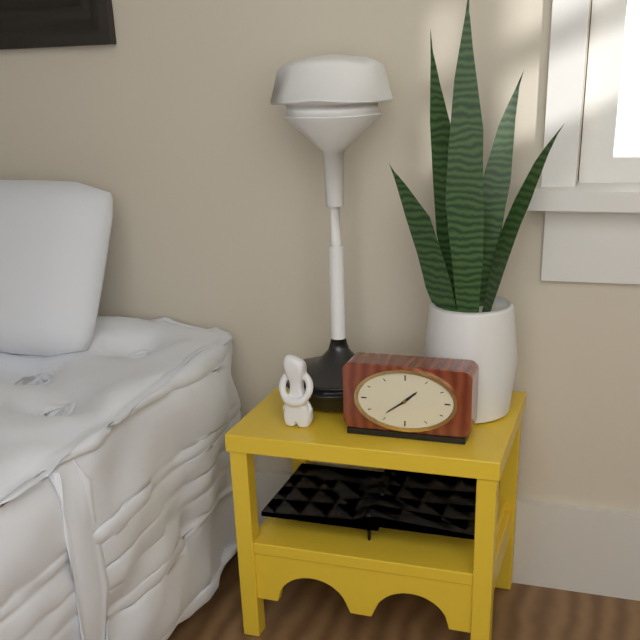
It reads **1:39**
